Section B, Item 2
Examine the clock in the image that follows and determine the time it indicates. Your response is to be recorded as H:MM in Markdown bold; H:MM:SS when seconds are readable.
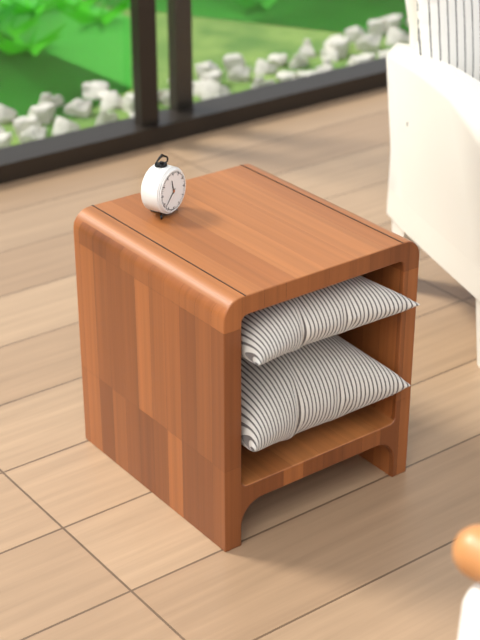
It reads **11:38**
